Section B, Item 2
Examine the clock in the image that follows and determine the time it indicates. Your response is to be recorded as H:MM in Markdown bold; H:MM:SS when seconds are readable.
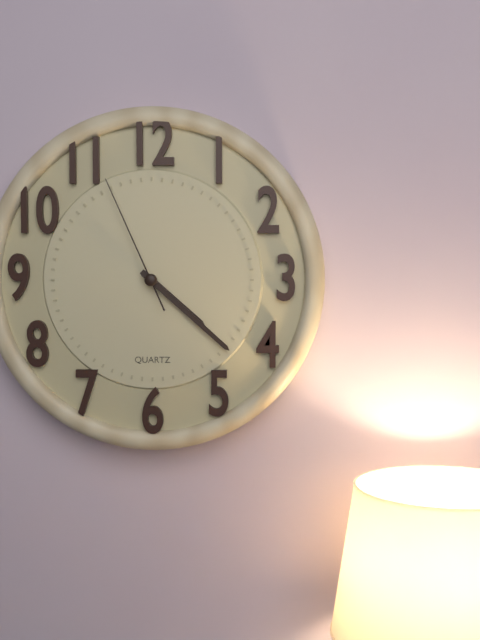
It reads **4:22:56**
